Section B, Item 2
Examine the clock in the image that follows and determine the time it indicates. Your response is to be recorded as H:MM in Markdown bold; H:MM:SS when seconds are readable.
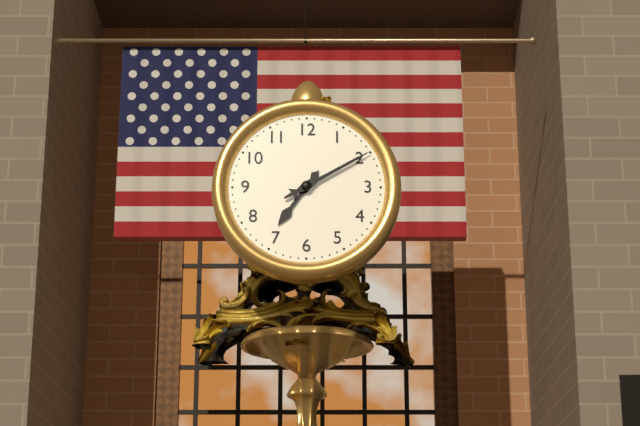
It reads **7:10**
